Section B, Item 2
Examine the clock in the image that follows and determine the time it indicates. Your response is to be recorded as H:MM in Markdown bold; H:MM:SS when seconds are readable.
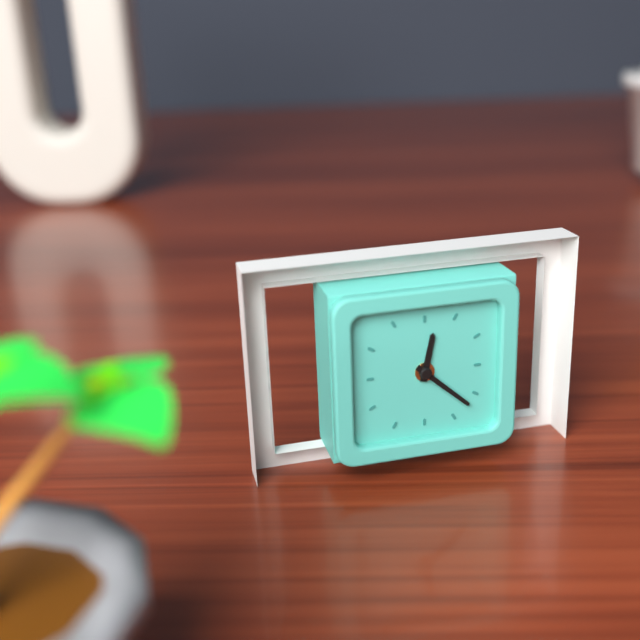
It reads **12:22**
